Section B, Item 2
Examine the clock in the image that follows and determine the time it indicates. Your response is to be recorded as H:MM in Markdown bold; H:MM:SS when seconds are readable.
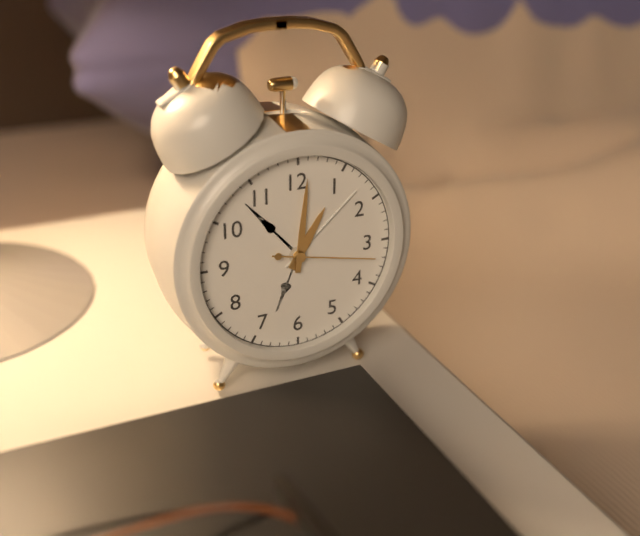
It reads **1:01:17**
